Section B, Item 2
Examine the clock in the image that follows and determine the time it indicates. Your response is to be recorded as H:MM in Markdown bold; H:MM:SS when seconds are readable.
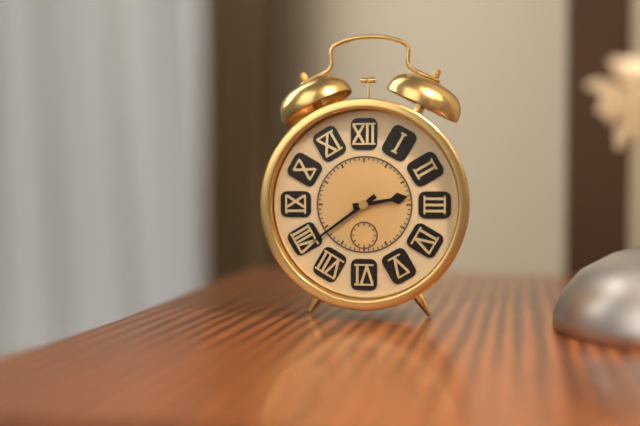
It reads **2:39**
